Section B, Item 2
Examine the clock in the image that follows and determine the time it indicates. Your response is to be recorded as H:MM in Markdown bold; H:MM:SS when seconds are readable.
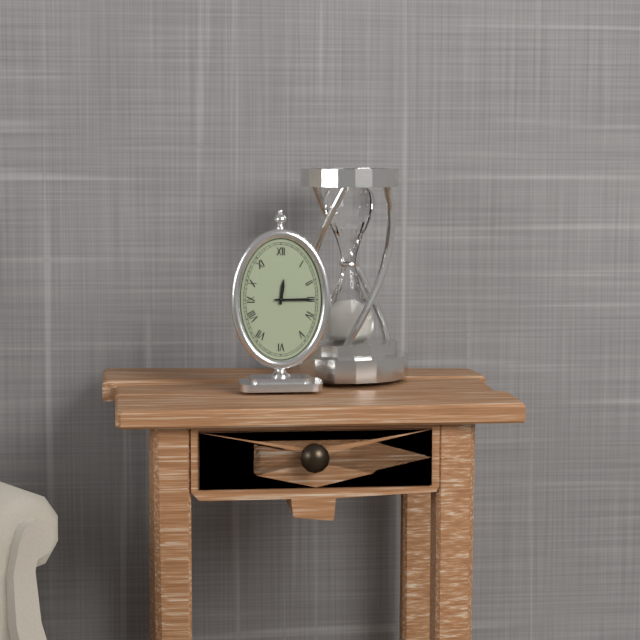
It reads **12:15**
